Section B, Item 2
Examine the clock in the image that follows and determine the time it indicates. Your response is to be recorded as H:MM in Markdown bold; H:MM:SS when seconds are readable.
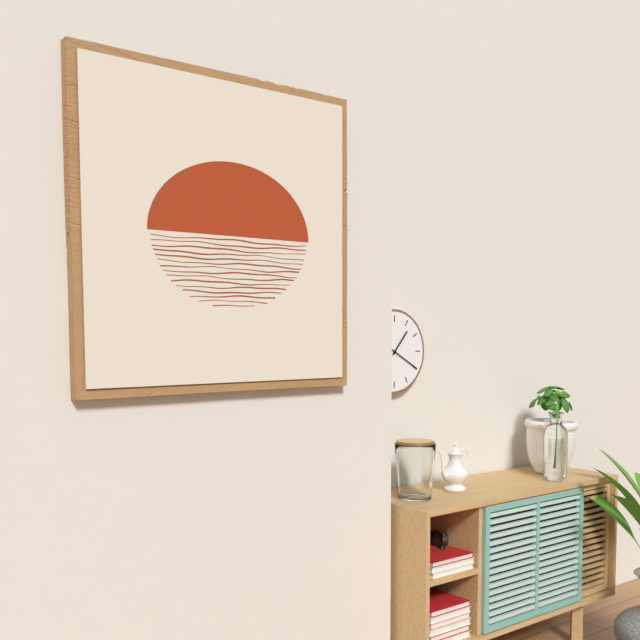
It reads **1:20**
